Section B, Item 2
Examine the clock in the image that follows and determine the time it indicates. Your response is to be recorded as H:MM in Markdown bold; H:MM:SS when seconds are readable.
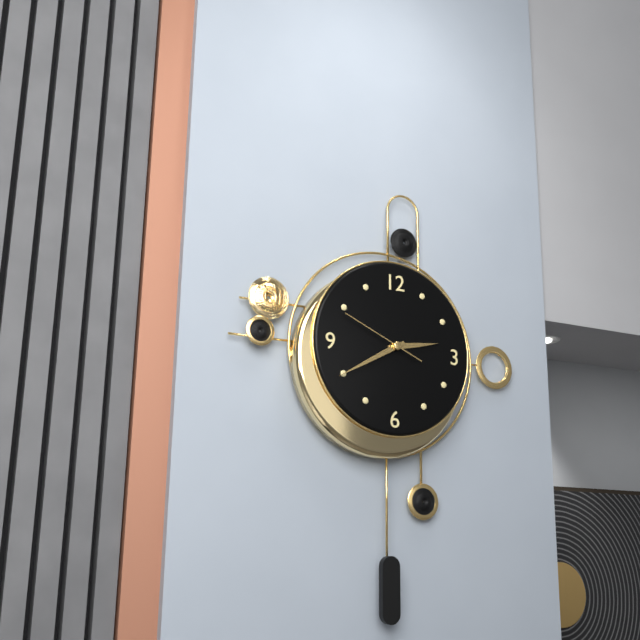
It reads **2:40:49**
